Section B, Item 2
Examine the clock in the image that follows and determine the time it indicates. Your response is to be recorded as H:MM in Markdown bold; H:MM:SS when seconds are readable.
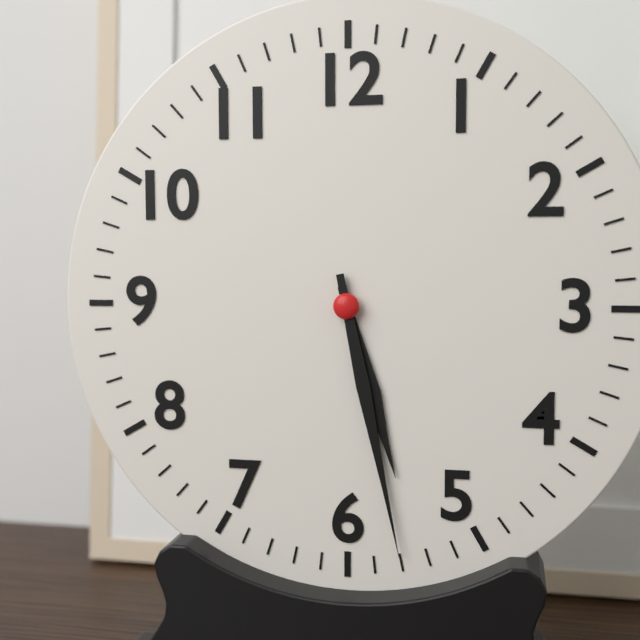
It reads **5:28**
